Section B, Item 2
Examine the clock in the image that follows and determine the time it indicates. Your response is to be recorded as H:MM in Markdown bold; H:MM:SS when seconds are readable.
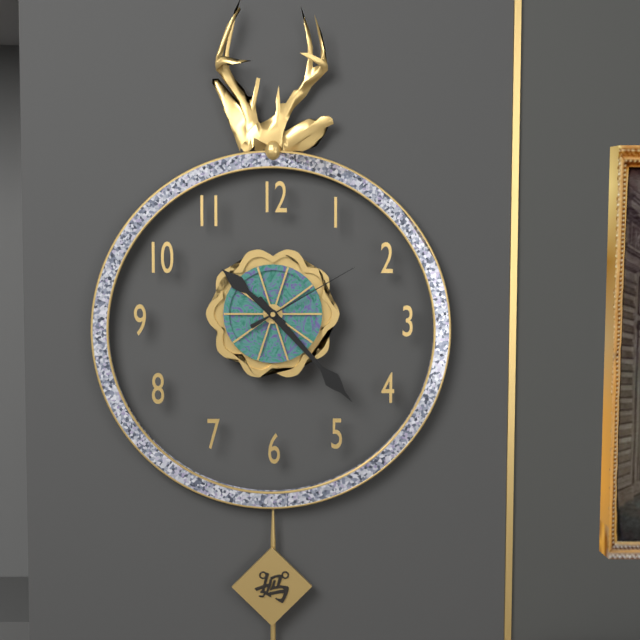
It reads **10:23:10**
